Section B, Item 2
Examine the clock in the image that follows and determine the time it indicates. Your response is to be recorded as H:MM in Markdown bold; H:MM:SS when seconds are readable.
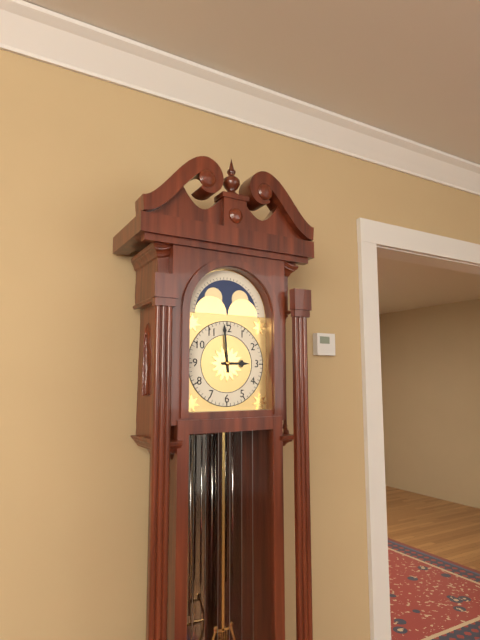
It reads **2:59**
